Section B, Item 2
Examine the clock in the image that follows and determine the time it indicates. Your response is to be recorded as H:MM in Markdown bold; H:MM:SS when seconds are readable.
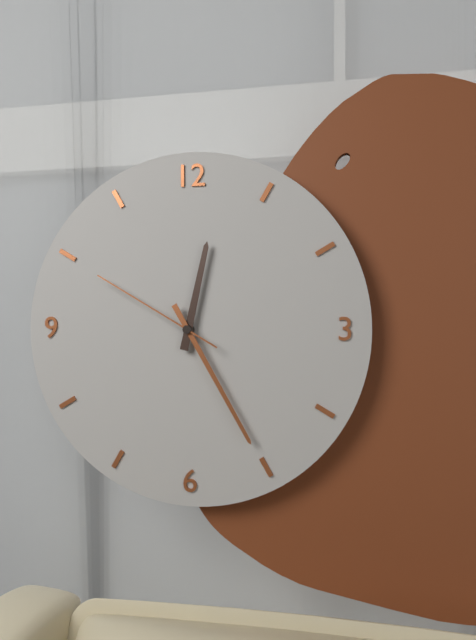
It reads **12:25:50**
